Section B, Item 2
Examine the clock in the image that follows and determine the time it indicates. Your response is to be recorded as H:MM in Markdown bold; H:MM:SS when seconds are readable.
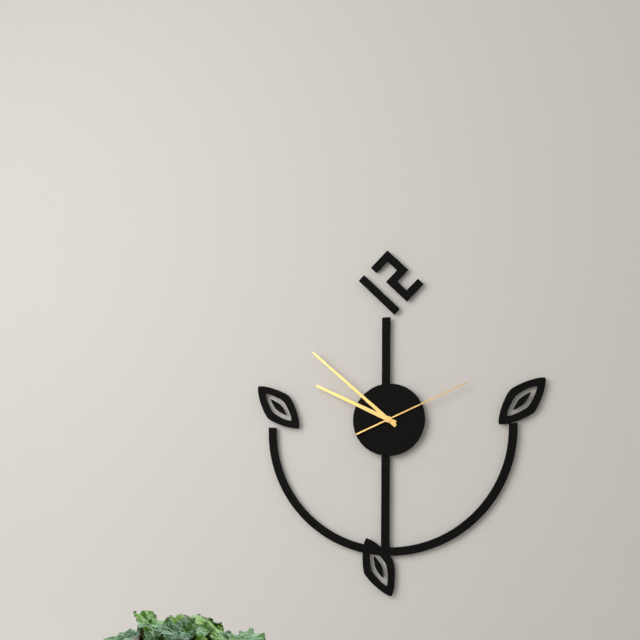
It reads **9:52:11**
